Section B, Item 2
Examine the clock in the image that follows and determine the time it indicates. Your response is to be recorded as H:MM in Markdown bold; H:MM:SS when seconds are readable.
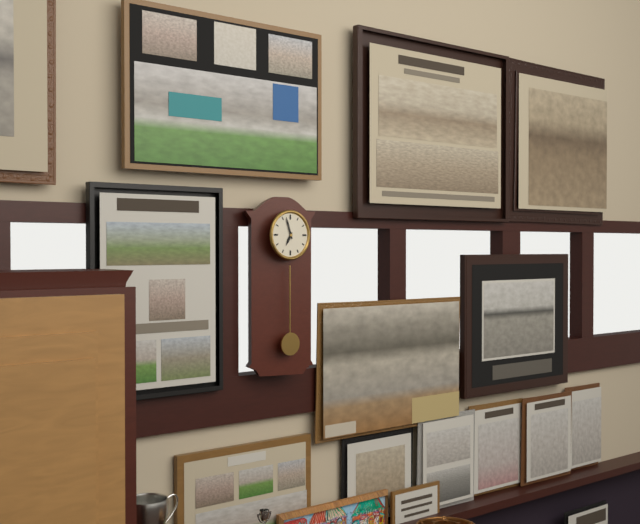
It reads **6:57**
